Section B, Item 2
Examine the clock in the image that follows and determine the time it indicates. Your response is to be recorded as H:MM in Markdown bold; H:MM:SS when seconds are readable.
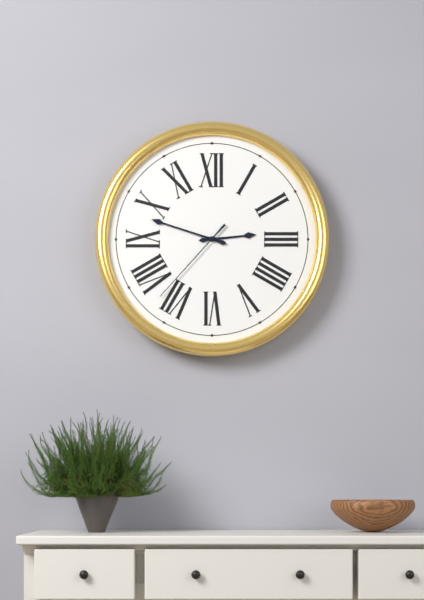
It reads **2:48:37**
